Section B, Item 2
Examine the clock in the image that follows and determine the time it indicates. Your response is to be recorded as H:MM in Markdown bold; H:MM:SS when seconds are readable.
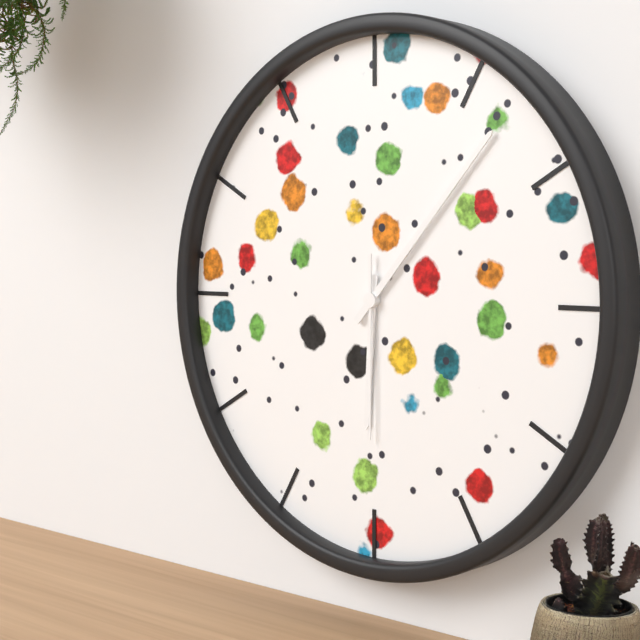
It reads **6:07:30**
